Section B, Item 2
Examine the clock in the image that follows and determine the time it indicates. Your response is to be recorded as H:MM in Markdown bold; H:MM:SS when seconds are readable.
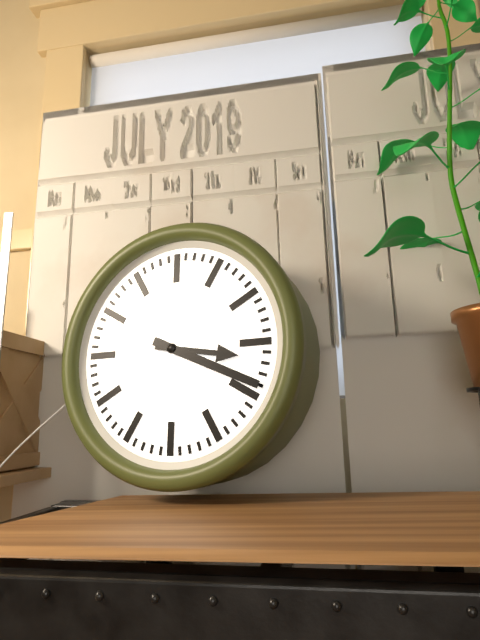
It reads **3:19**
